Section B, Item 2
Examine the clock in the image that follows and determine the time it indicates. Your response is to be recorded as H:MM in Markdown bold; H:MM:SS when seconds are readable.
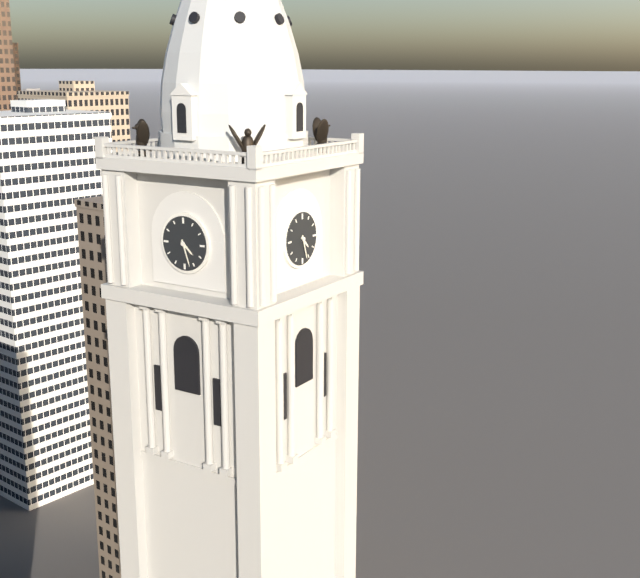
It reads **4:27**
